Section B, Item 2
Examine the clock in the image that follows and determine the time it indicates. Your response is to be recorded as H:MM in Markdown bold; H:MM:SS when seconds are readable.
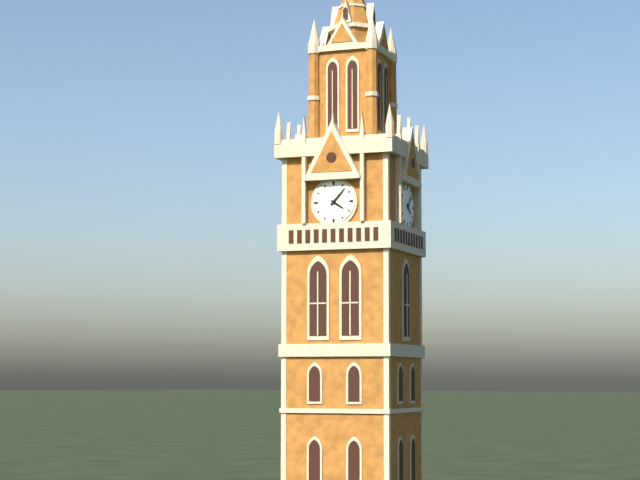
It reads **4:07**
